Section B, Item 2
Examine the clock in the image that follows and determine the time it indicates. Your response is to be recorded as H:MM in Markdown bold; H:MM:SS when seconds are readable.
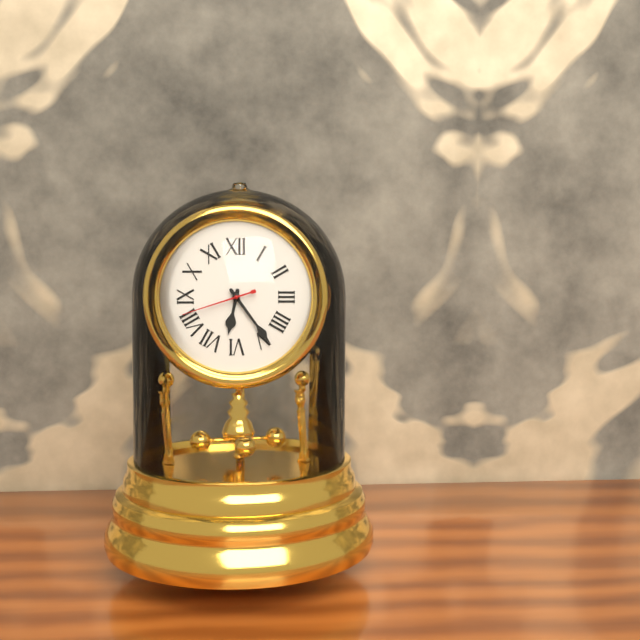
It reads **6:24:42**
